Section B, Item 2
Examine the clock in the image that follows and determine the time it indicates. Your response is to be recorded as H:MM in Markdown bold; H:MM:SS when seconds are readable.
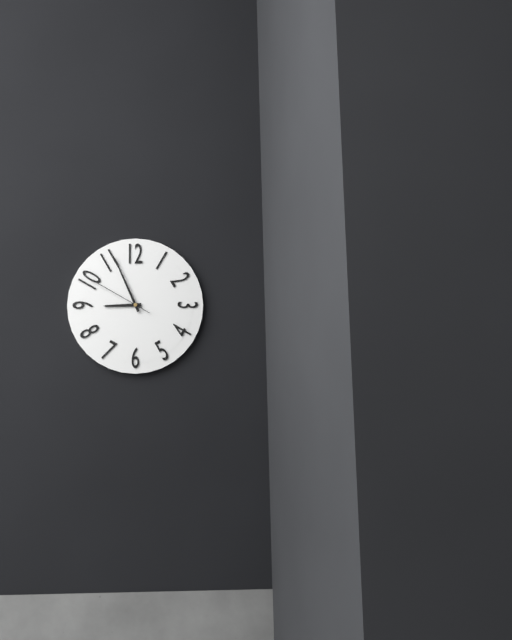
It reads **8:56:50**
